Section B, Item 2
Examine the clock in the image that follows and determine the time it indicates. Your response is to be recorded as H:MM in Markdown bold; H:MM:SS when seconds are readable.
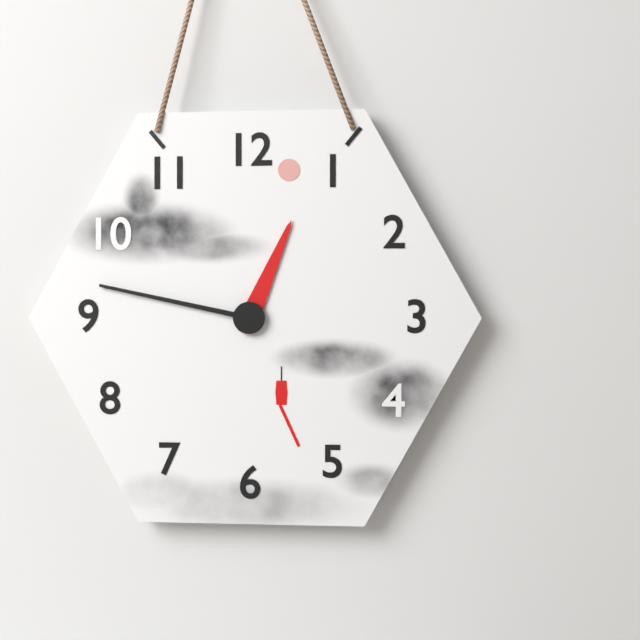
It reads **12:47**
